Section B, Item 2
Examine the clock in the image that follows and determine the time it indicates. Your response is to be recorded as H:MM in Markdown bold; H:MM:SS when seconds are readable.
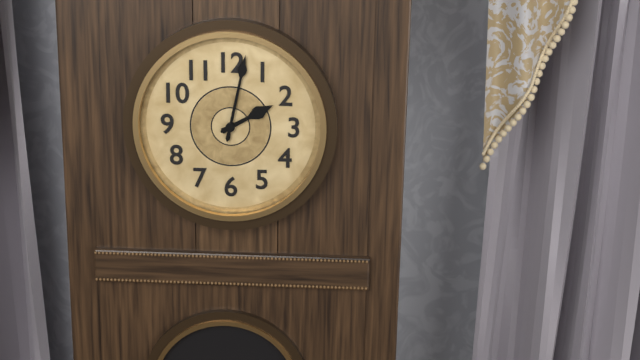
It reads **2:02**
